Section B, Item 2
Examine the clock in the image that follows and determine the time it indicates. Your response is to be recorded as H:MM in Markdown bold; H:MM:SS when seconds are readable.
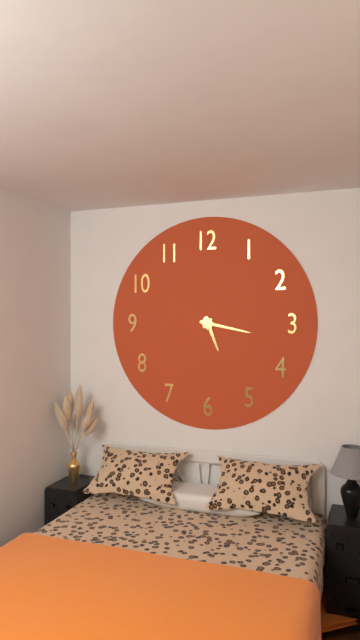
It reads **5:17**
